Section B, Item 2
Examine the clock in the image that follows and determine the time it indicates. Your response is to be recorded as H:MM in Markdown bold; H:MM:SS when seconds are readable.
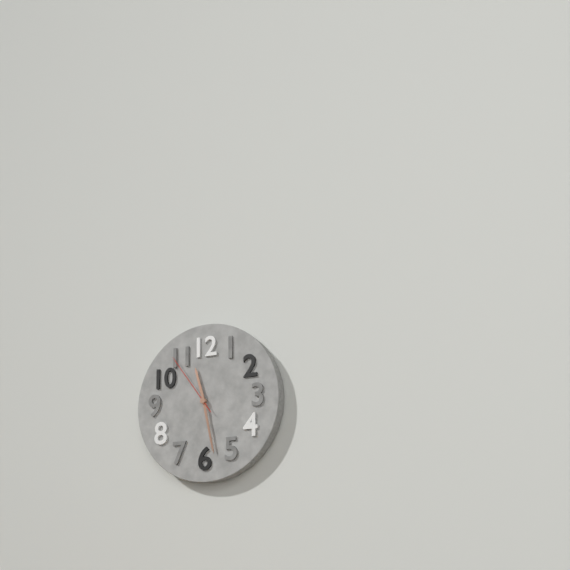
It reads **11:28:54**
